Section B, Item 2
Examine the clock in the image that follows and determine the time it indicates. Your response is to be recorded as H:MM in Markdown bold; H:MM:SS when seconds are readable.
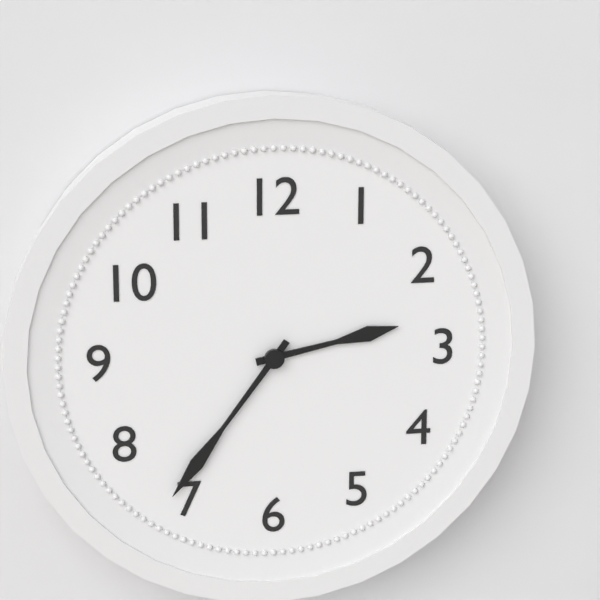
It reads **2:36**
